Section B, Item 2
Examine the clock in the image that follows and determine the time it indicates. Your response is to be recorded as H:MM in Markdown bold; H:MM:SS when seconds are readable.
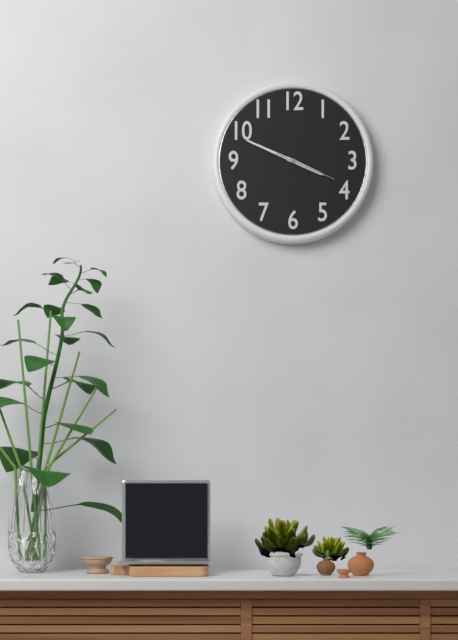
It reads **3:49:19**
